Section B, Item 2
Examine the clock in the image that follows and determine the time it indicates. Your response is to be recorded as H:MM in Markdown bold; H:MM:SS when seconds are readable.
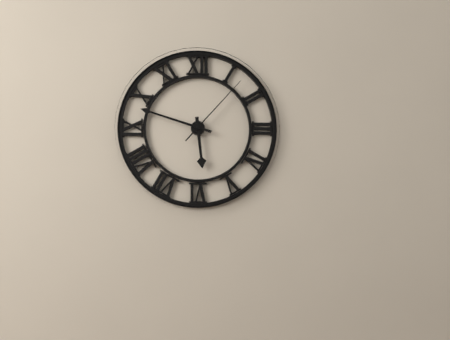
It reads **5:48:07**
